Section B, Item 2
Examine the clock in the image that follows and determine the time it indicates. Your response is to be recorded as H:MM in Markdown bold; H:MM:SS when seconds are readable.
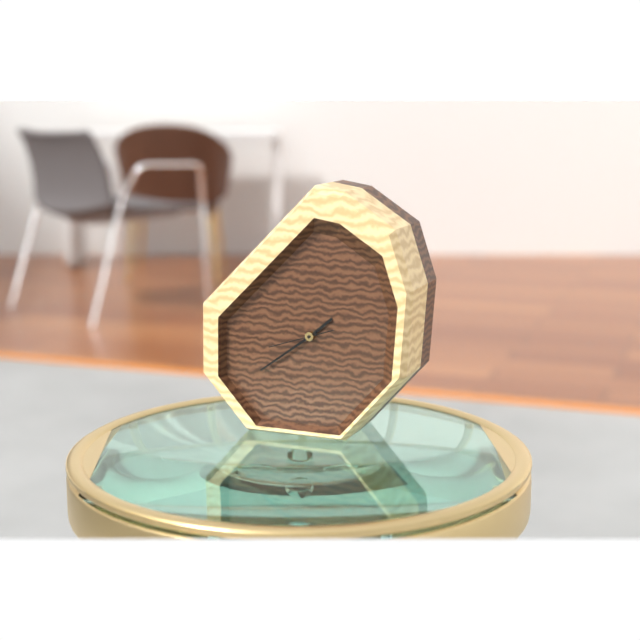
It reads **1:39:42**
